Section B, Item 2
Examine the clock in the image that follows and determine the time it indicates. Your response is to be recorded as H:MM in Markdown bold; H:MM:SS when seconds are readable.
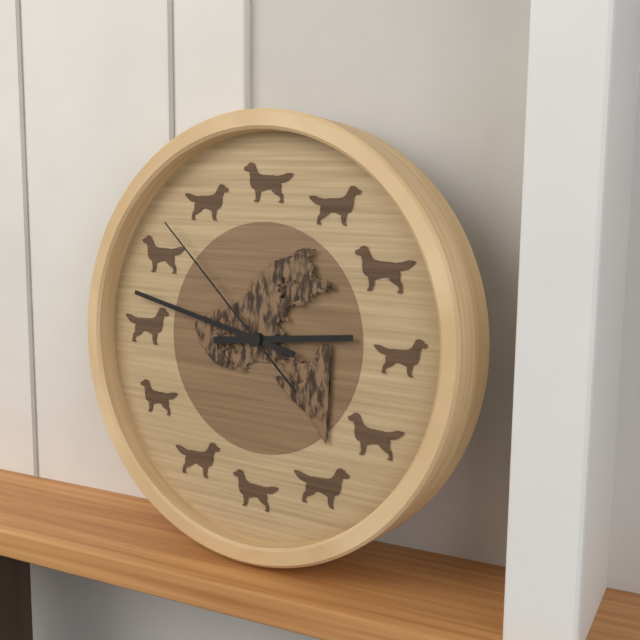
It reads **2:47:52**
